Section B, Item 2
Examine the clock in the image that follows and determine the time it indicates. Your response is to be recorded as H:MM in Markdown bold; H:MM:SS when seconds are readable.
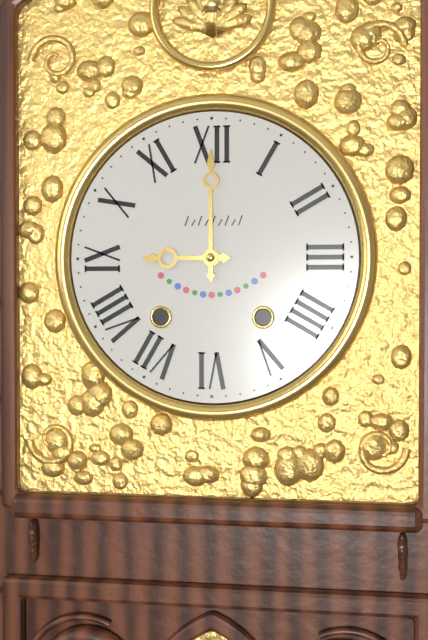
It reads **9:00**
